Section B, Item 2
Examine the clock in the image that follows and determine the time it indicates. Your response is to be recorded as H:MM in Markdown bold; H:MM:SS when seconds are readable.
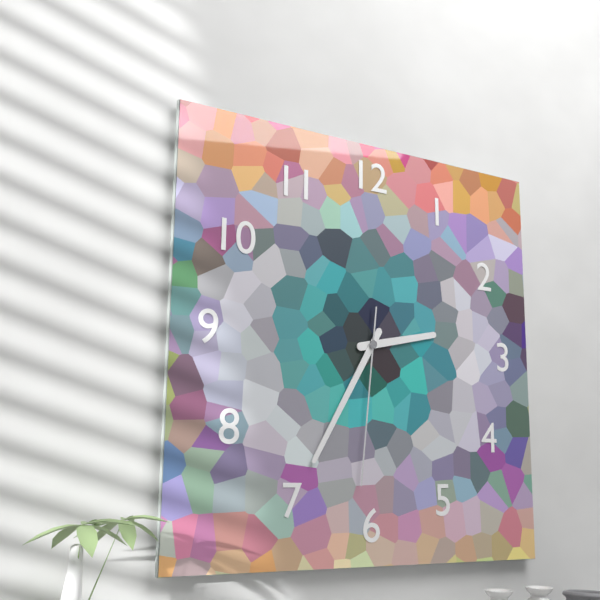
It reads **2:35:31**
